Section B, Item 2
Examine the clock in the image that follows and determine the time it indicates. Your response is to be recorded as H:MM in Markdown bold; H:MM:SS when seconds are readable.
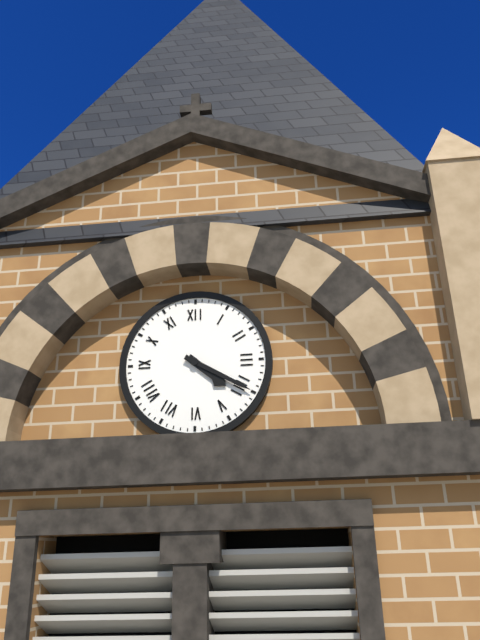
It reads **4:20**
